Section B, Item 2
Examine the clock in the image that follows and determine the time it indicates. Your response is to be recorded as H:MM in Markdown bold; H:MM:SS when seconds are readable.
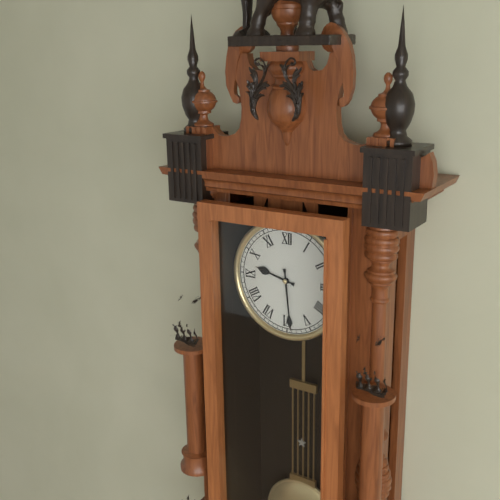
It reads **9:29**
